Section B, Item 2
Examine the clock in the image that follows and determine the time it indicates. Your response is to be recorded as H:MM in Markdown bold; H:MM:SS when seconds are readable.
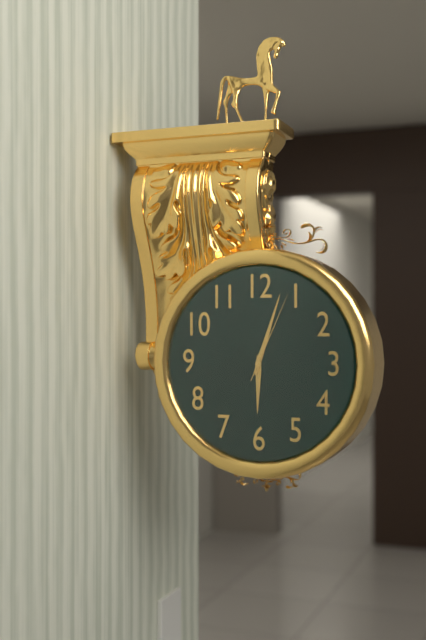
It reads **6:03:04**
